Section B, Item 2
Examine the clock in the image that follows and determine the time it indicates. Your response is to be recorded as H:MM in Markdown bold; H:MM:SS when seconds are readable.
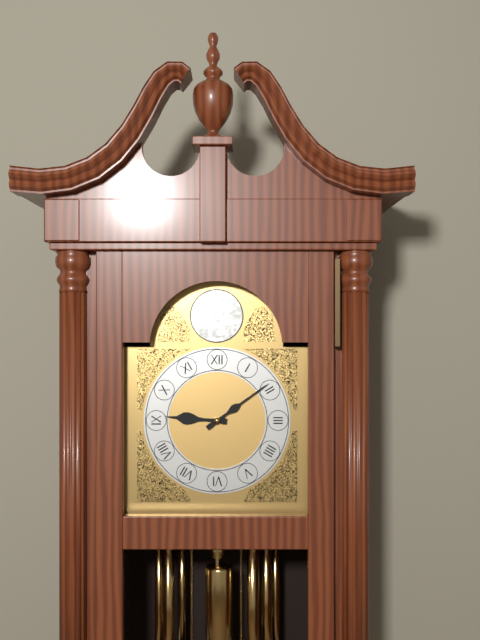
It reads **9:09**
